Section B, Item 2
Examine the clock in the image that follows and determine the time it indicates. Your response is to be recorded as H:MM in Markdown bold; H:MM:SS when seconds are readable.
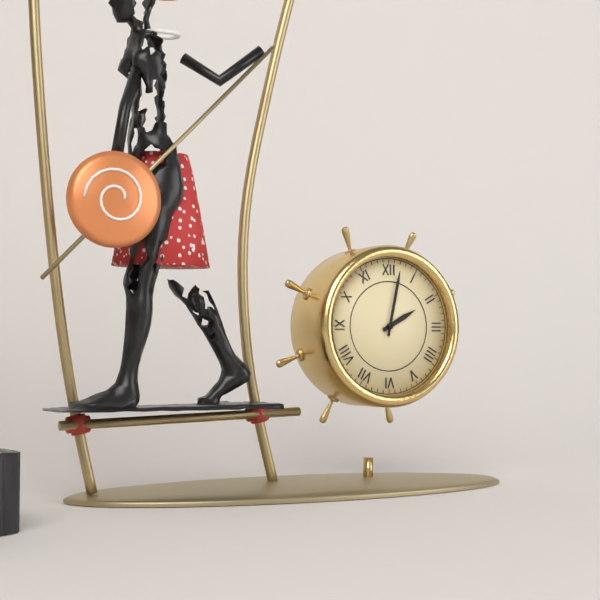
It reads **2:02**
